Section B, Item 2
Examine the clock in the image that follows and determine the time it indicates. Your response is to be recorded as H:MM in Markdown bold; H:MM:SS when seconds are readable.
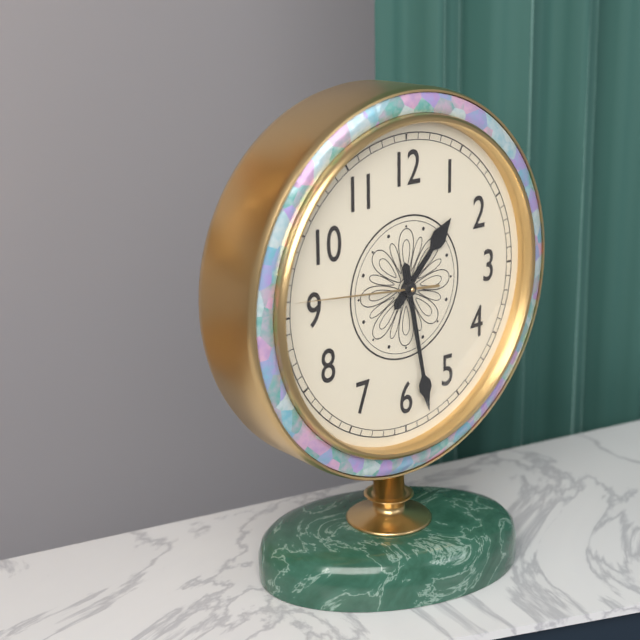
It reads **1:28:46**
